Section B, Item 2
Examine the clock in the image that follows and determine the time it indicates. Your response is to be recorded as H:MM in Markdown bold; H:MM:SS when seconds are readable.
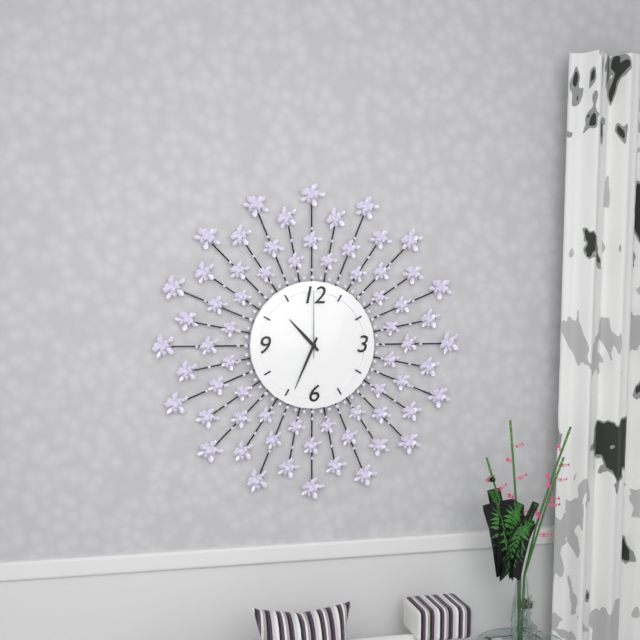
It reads **10:34:00**
